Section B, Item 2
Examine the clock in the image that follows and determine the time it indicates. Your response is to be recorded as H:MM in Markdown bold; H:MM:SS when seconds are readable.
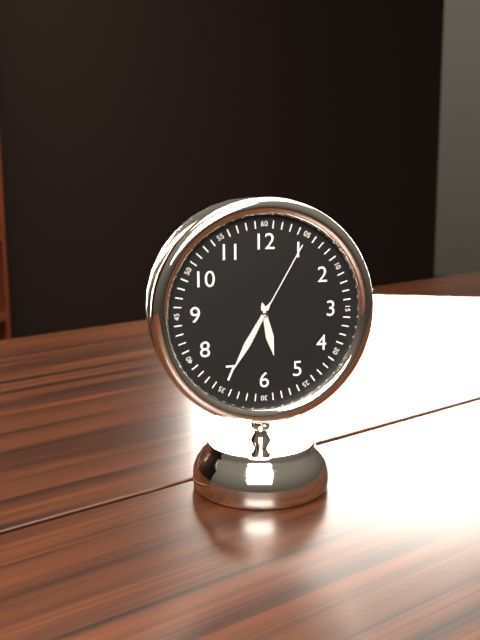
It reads **5:35:05**
